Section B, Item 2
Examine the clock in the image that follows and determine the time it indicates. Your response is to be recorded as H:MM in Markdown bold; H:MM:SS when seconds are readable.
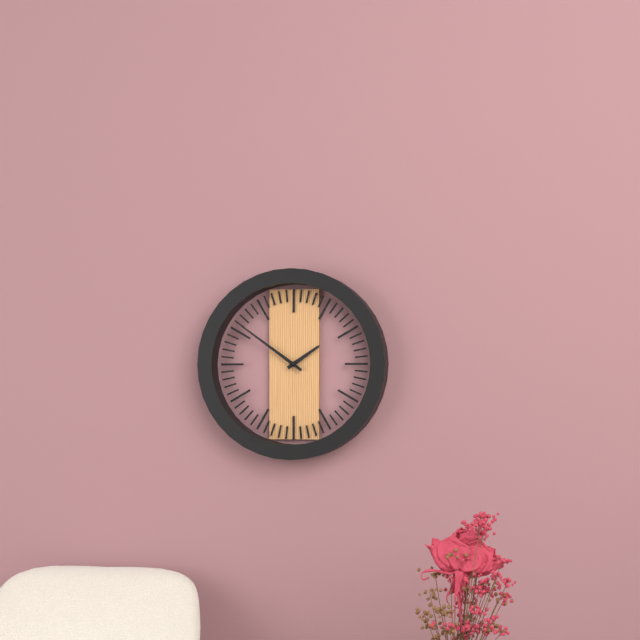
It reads **1:51**
